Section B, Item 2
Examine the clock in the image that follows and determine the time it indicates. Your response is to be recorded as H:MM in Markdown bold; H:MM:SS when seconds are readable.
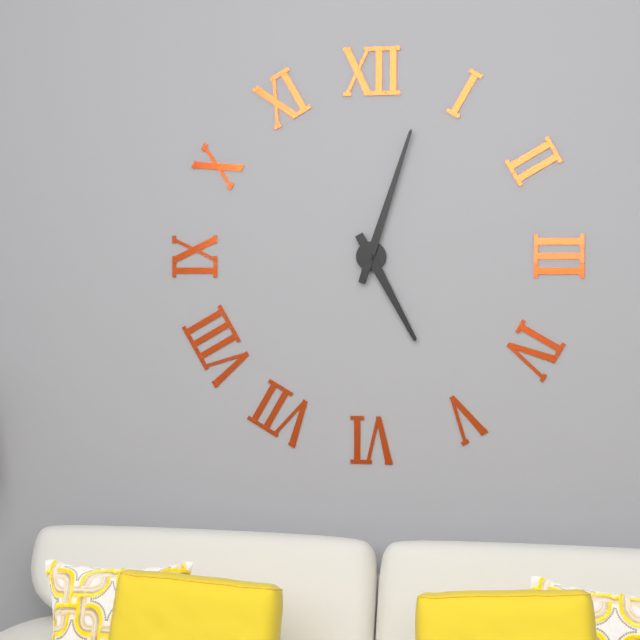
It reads **5:03**
